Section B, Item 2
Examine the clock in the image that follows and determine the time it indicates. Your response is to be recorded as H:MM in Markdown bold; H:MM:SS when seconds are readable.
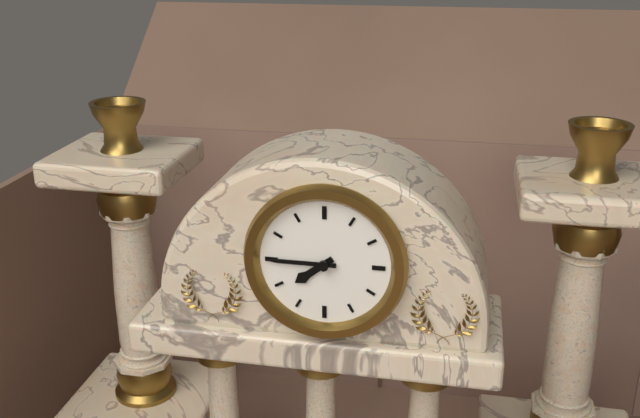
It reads **7:45**
